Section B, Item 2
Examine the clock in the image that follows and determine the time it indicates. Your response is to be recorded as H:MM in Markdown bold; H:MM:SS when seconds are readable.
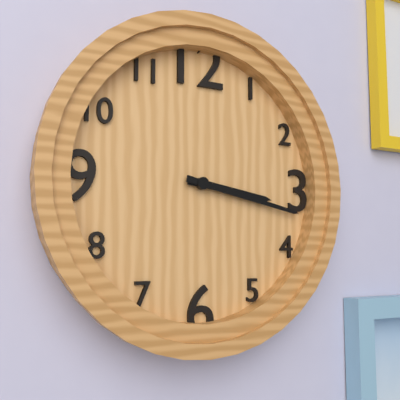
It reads **3:17**
